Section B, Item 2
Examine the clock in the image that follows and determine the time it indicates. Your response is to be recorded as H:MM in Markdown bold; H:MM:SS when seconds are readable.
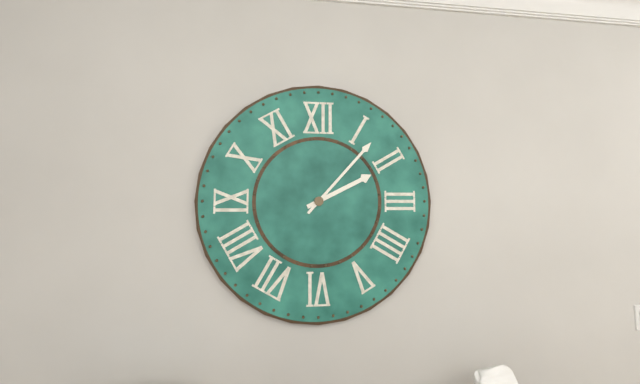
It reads **2:07**
